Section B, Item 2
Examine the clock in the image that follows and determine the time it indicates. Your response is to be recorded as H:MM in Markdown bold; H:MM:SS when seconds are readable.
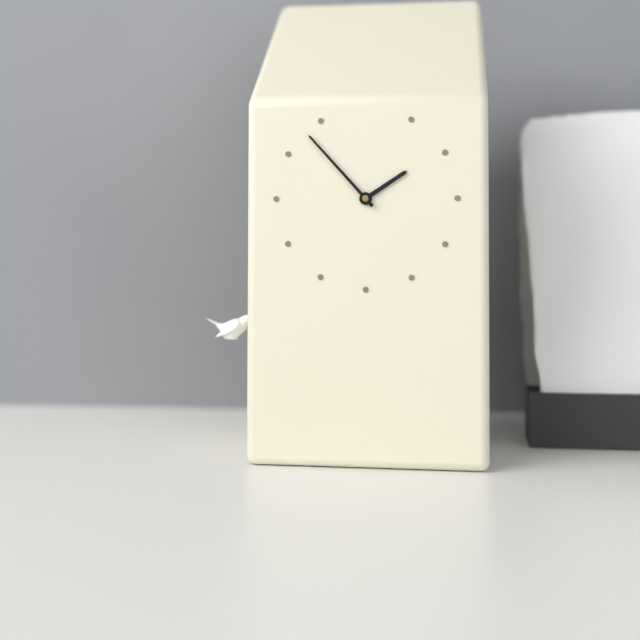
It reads **1:53**
